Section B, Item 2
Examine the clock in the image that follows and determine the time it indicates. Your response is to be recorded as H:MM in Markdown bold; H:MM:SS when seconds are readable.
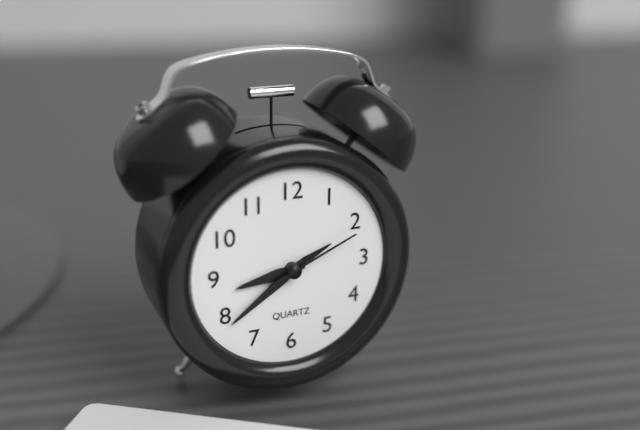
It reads **8:39:11**
